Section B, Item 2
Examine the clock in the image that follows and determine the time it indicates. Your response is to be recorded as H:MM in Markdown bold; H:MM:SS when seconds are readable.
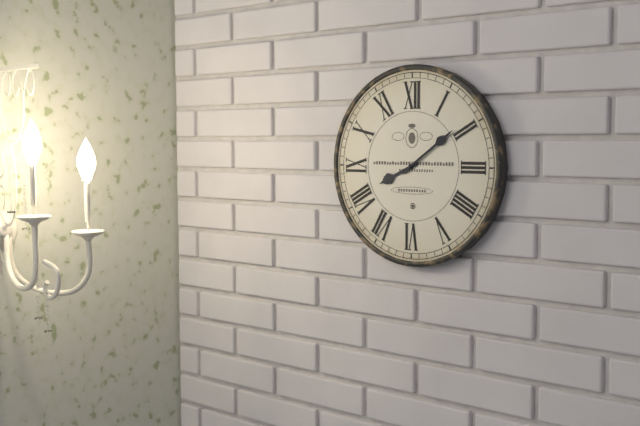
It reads **8:09**
